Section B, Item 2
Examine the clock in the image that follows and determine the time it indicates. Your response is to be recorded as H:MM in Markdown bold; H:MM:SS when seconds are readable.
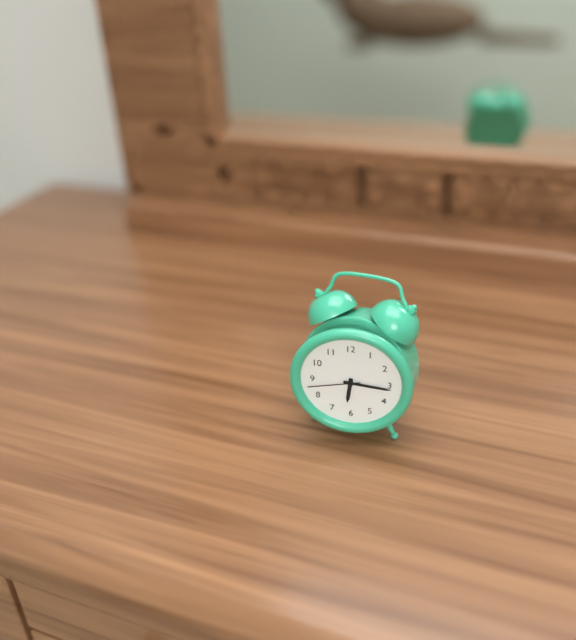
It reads **6:16:43**
